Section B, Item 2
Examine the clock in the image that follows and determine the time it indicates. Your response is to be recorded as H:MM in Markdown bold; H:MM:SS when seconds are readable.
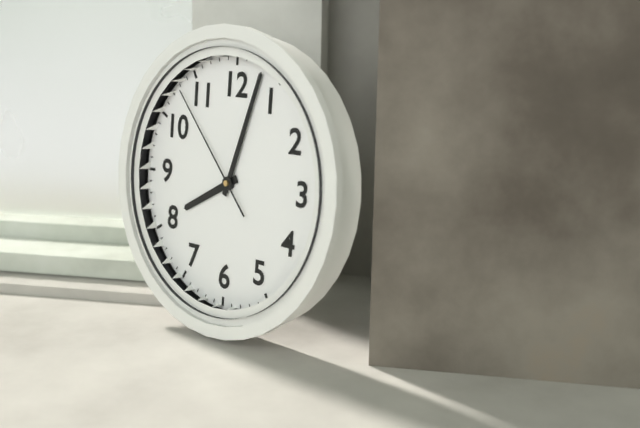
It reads **8:03:53**
